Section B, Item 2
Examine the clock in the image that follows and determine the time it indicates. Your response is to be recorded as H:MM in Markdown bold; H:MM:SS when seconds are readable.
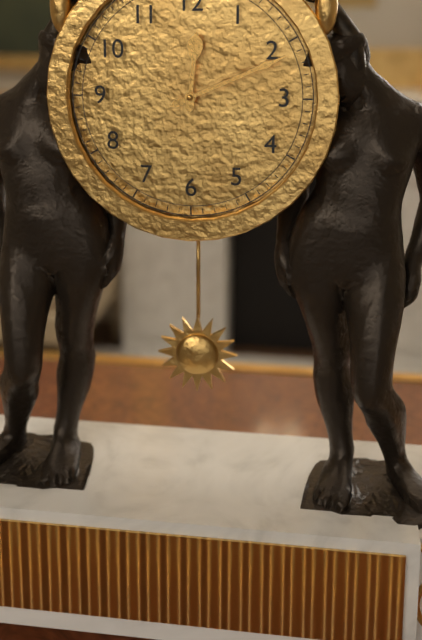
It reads **12:11**
